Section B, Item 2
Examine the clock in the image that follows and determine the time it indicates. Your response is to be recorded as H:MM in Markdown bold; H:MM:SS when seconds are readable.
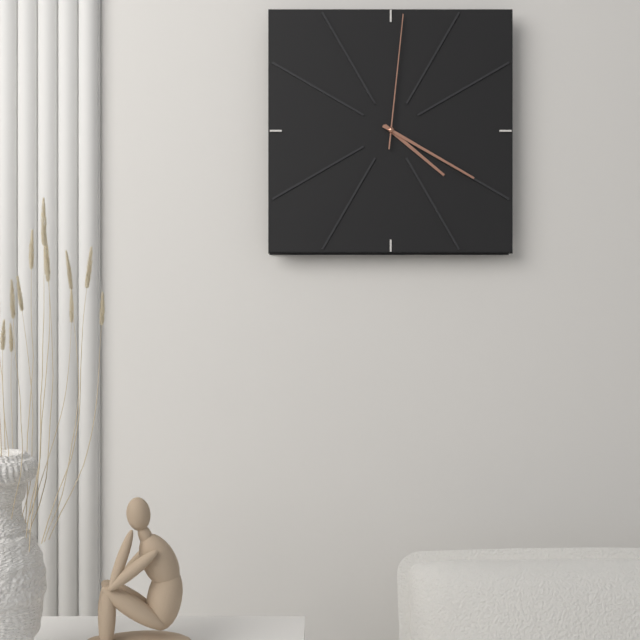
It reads **4:20:01**
